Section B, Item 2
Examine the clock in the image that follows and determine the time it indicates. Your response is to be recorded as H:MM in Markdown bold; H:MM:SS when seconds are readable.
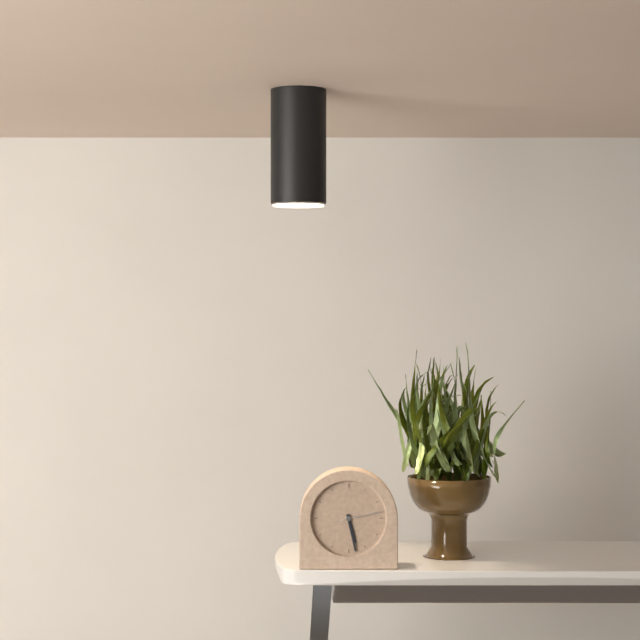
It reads **5:28**
